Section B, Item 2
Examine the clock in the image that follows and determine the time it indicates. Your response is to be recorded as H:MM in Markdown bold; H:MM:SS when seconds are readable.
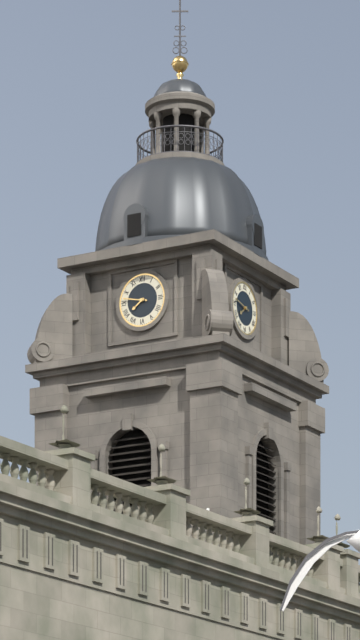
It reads **7:47**
